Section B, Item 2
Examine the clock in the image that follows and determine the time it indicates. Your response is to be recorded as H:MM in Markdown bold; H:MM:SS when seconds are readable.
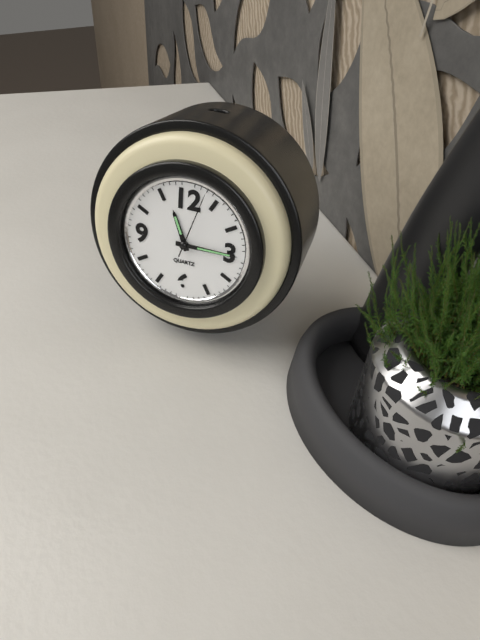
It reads **11:15:03**
